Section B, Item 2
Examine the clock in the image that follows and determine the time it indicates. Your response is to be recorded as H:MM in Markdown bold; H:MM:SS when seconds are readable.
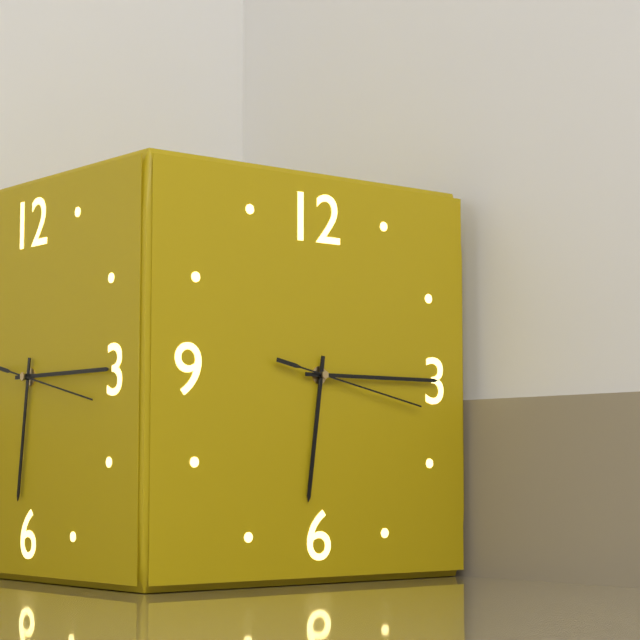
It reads **6:15:17**
